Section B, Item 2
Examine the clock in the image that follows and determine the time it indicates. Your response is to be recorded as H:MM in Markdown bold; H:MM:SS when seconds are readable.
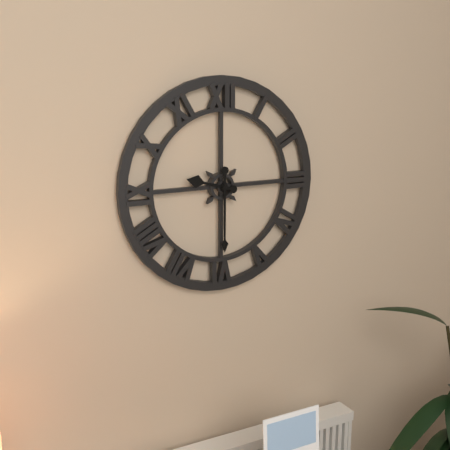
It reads **9:30**
